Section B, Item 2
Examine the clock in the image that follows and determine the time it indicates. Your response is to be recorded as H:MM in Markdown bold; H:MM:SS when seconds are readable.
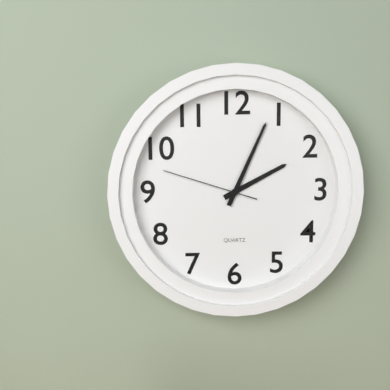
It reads **2:04:48**
